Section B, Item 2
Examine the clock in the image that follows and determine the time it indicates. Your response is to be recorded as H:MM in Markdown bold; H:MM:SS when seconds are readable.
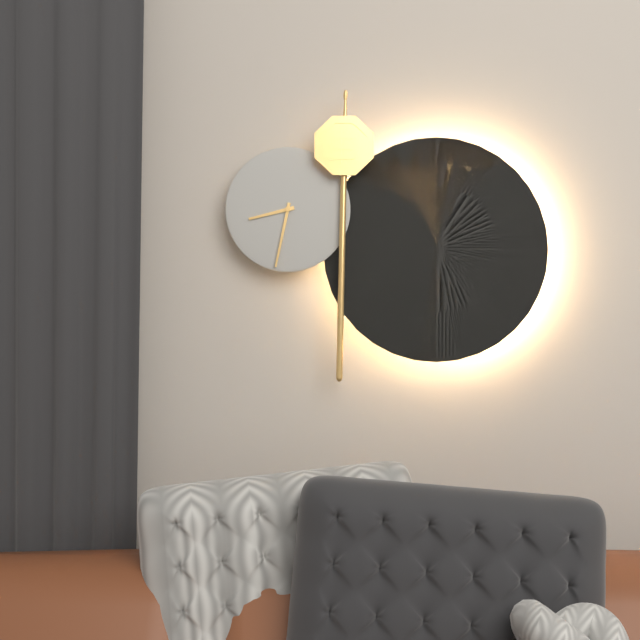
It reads **8:32**
